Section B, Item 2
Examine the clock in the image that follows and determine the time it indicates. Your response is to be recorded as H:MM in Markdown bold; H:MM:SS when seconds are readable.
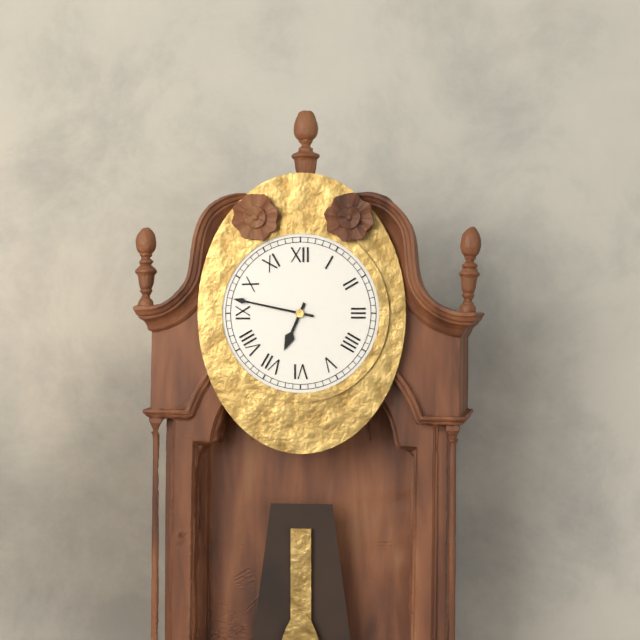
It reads **6:47**
